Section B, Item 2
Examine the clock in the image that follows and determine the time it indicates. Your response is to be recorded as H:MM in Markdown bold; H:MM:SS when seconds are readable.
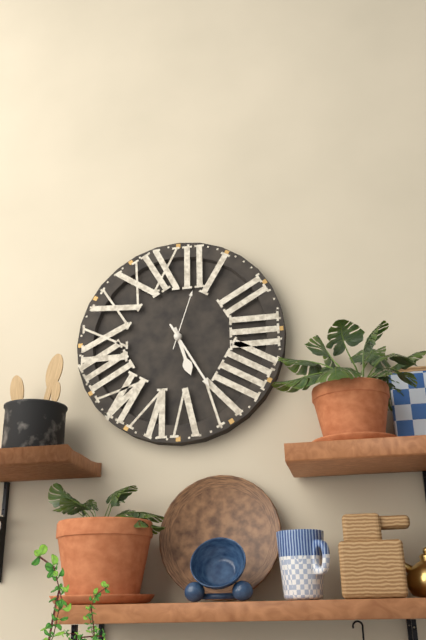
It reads **5:25:03**
